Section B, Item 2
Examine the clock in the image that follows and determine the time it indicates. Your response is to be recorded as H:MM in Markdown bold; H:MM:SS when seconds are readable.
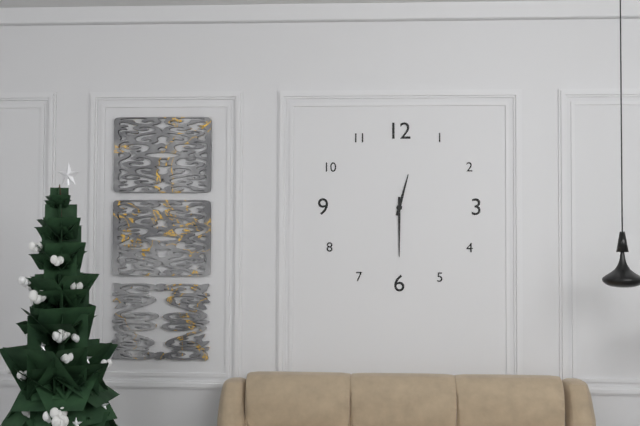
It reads **12:30**
